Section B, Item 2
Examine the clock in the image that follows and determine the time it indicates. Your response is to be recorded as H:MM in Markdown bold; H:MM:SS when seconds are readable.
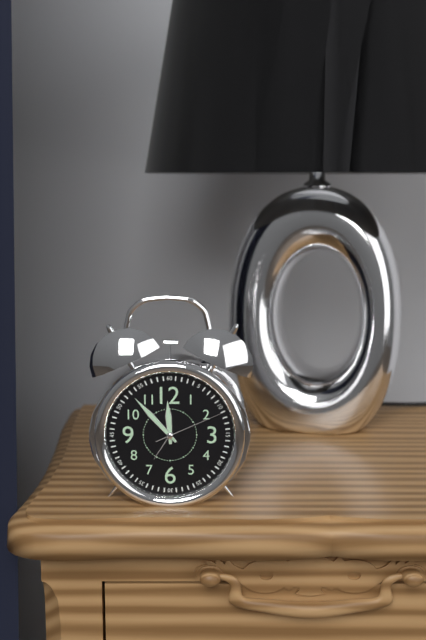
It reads **11:53:11**
